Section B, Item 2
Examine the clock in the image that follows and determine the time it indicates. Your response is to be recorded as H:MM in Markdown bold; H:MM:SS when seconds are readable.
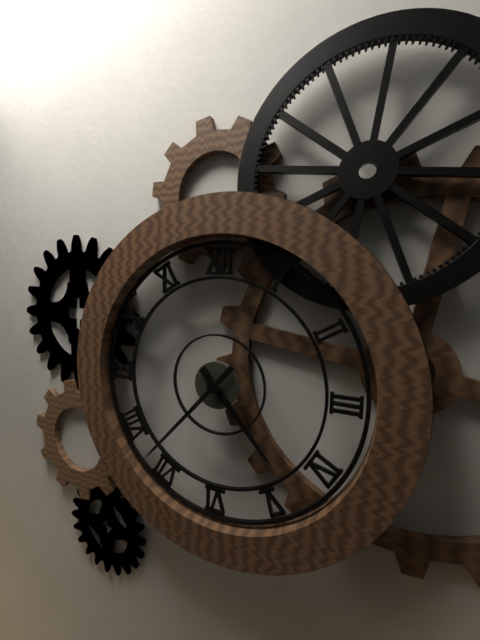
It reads **4:37**
